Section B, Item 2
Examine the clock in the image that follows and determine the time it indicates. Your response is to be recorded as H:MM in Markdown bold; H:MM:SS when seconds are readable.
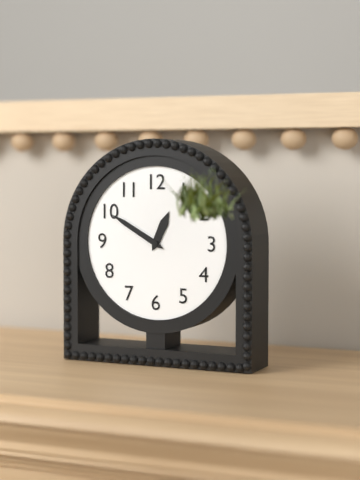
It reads **12:50**
